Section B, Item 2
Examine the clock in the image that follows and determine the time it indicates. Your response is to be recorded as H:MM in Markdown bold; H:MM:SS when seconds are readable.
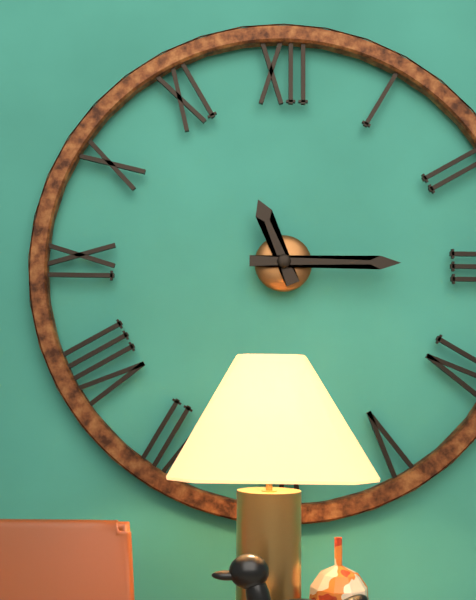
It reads **11:15**
